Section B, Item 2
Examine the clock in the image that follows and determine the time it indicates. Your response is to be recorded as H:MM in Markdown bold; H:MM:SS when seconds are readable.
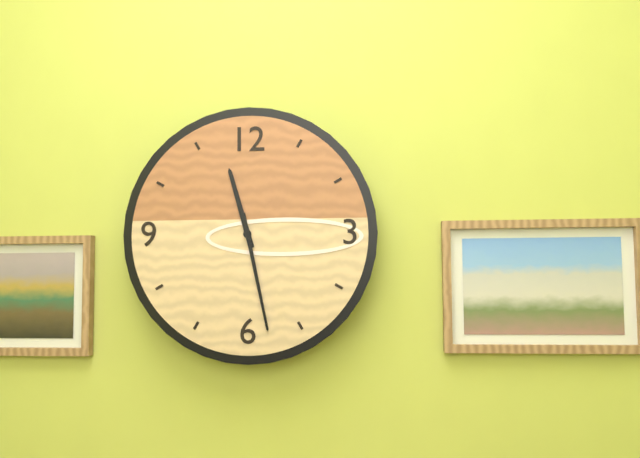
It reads **11:28**
